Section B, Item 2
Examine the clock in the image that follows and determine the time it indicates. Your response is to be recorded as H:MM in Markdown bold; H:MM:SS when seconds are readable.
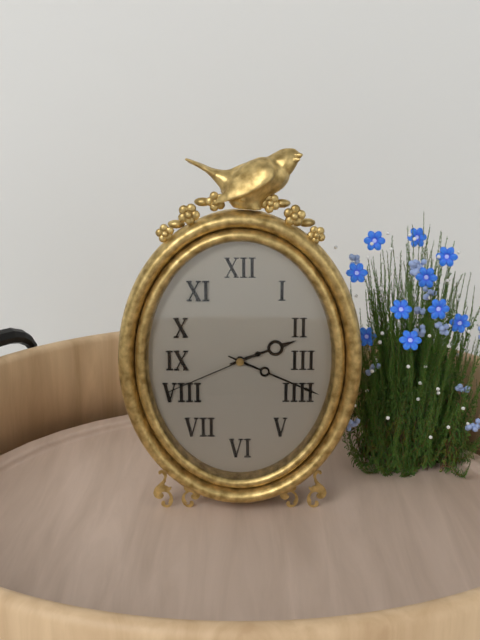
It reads **2:19:41**
